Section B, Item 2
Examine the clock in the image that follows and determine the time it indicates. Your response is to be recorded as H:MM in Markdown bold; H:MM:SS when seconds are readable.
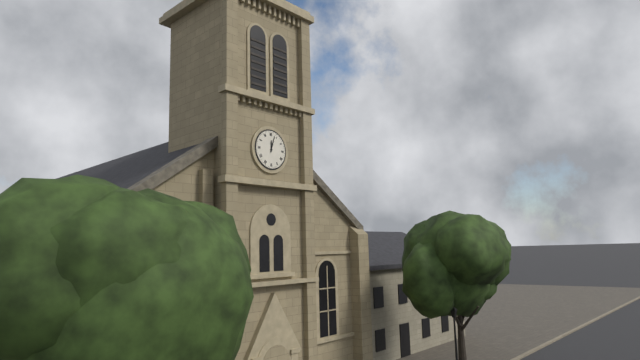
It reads **12:03**
